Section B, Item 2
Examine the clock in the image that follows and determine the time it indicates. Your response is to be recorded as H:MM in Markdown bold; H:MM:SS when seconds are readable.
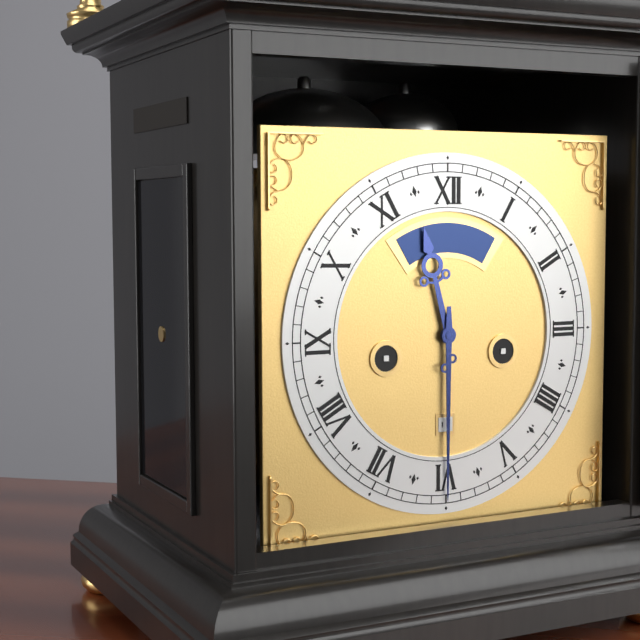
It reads **11:30**
